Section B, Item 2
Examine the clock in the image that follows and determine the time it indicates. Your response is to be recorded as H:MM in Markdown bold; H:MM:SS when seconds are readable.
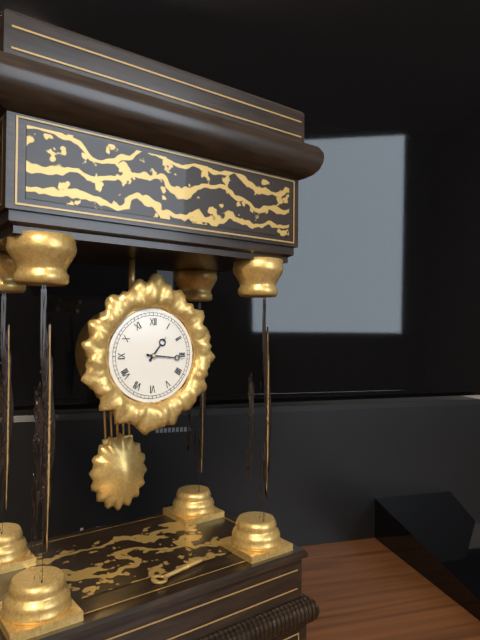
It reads **1:16**
